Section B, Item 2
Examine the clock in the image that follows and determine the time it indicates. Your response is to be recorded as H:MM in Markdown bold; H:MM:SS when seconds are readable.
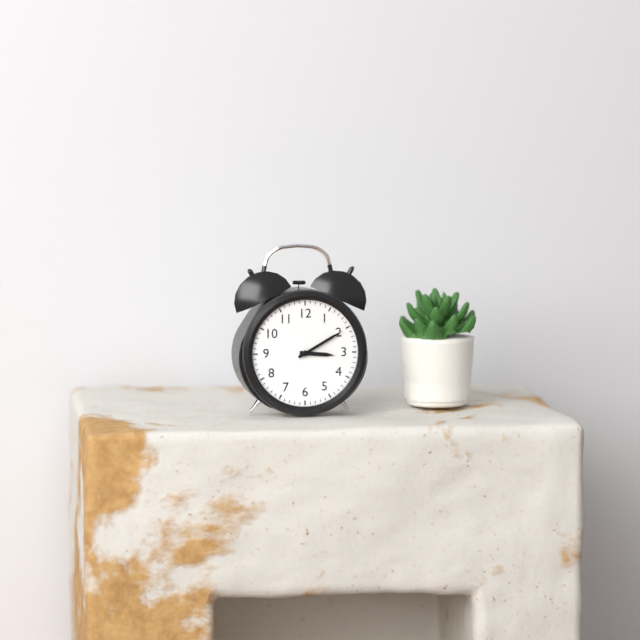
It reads **3:10**
